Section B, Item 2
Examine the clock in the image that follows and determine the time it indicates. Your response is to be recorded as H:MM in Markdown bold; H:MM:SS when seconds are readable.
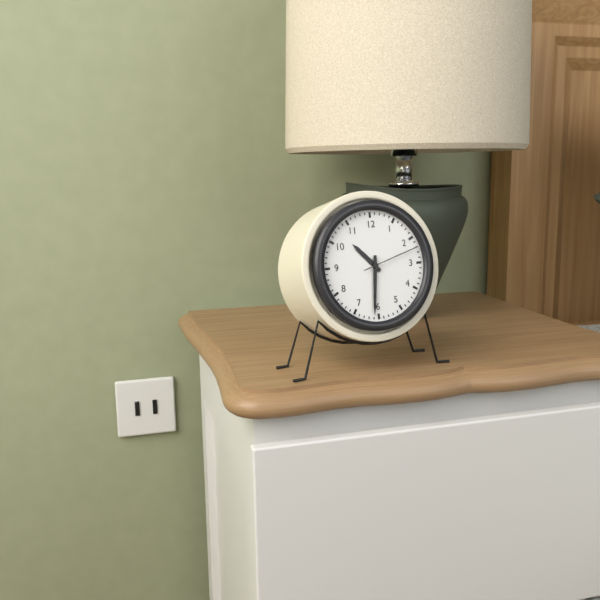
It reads **10:31:12**
